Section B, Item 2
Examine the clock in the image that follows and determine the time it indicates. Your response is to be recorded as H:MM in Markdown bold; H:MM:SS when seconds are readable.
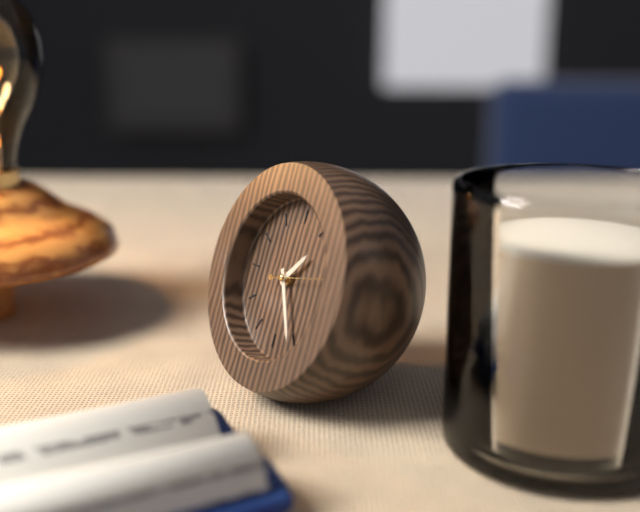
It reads **1:25**
